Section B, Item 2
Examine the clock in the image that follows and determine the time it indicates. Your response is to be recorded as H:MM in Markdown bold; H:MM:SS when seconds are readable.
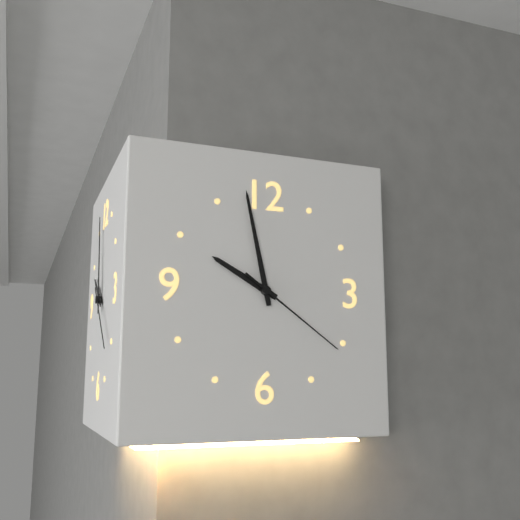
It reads **9:58:21**
